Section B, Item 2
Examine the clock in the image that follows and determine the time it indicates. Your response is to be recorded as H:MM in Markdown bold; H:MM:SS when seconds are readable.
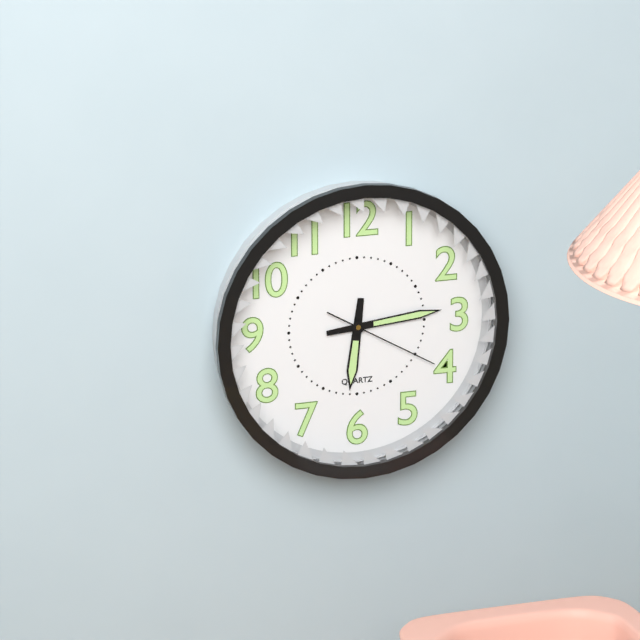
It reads **6:14:20**
